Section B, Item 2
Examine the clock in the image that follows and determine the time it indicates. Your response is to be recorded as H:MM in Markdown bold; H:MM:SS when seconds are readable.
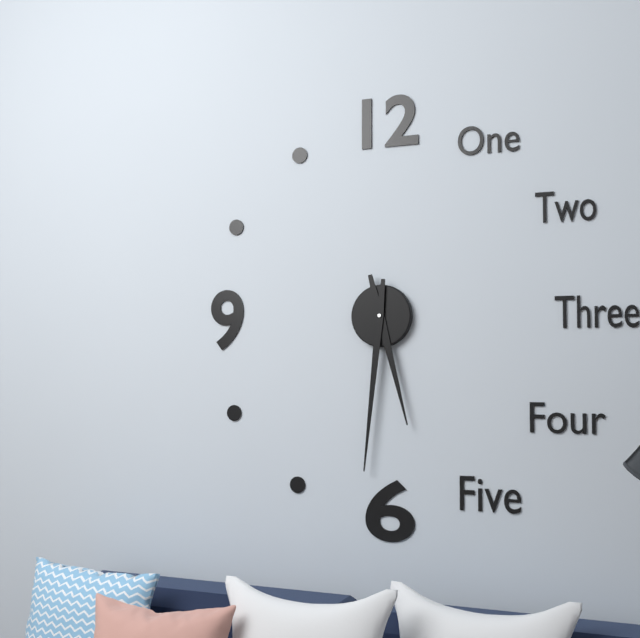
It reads **5:31**
